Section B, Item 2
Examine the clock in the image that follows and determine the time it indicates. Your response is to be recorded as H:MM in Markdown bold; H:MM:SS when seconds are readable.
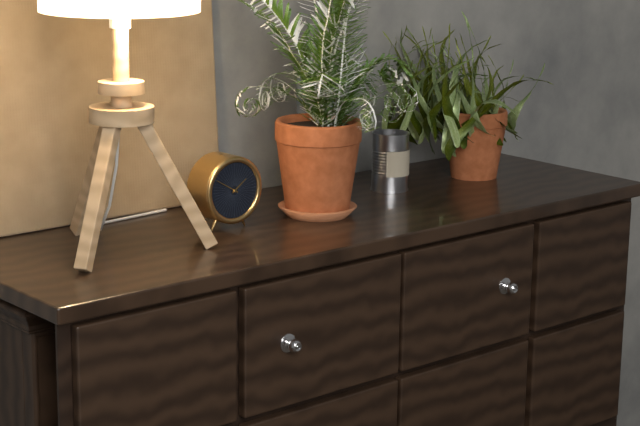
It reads **1:50**
